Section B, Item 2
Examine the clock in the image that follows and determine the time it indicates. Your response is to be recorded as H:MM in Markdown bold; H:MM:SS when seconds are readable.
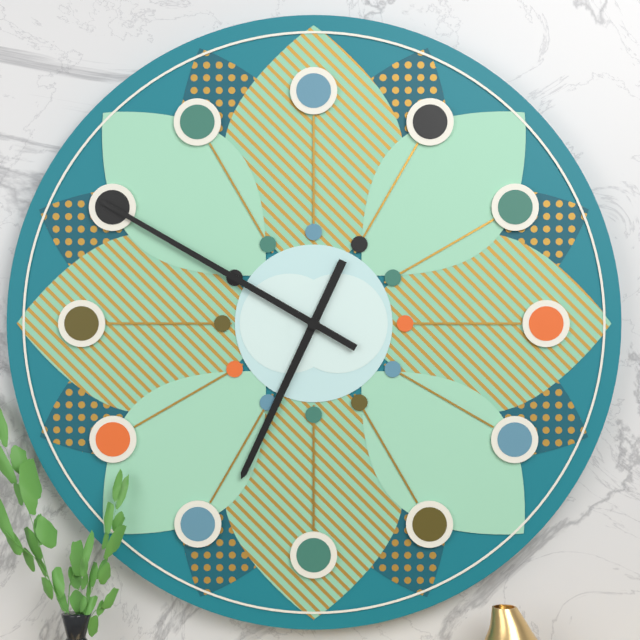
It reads **6:50**
